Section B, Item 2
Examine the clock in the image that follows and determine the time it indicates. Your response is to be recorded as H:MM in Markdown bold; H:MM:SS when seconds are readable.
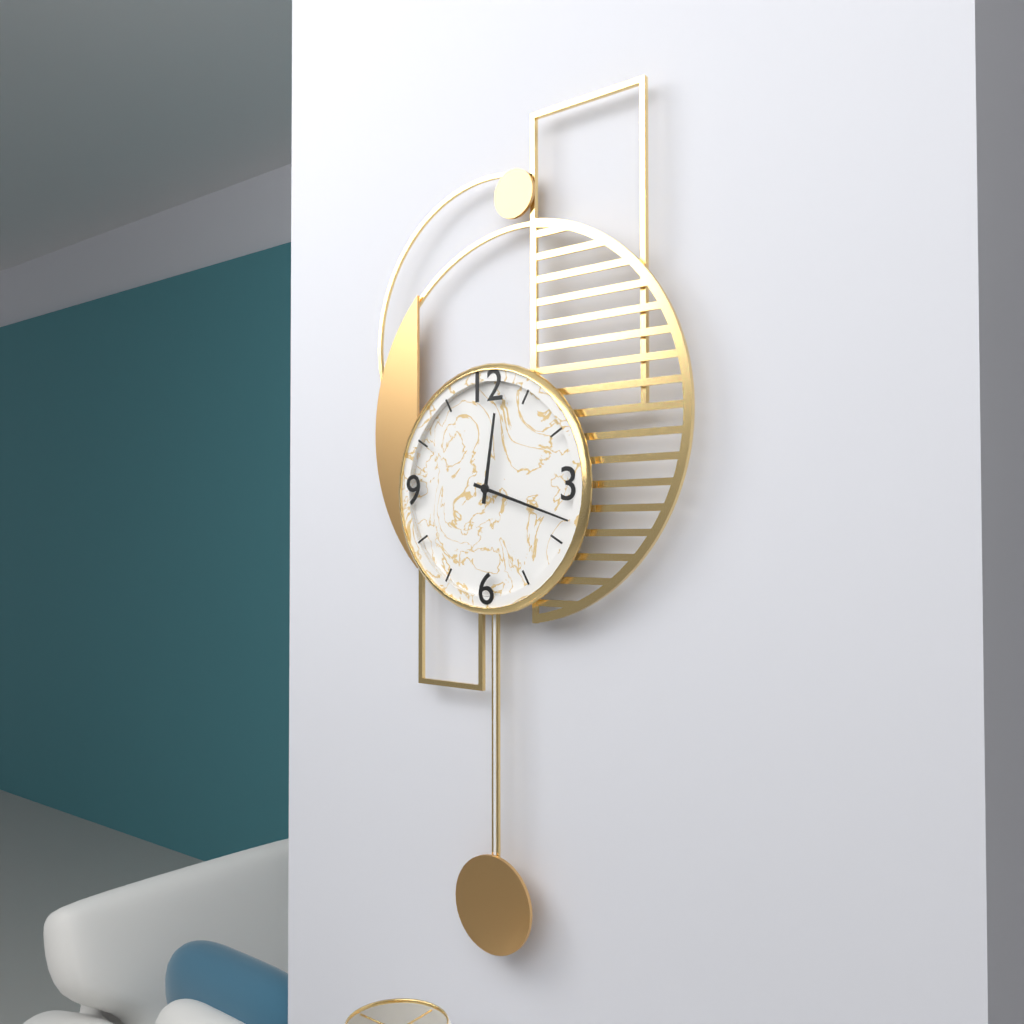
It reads **12:18**
